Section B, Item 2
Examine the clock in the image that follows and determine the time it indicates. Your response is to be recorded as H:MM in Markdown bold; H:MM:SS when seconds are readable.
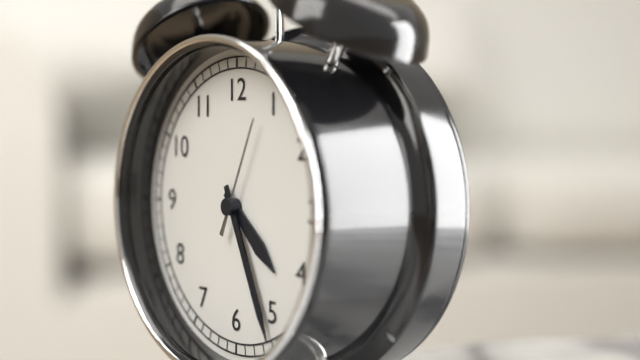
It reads **4:26:04**
